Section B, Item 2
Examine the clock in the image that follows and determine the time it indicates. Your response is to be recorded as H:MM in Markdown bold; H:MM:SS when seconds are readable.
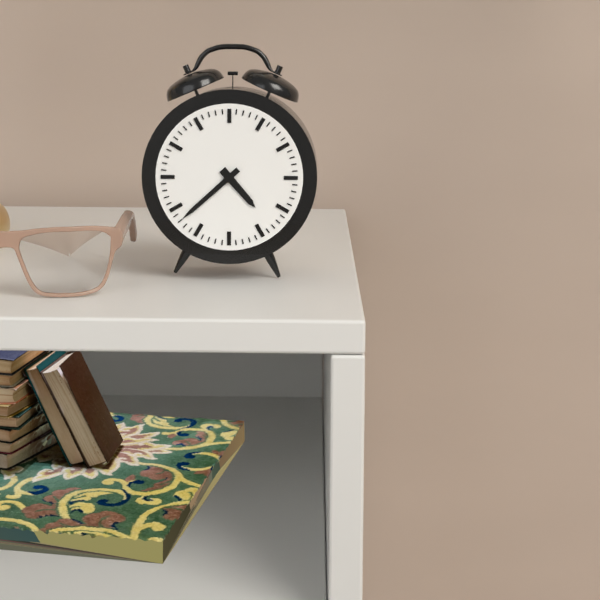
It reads **4:38**
